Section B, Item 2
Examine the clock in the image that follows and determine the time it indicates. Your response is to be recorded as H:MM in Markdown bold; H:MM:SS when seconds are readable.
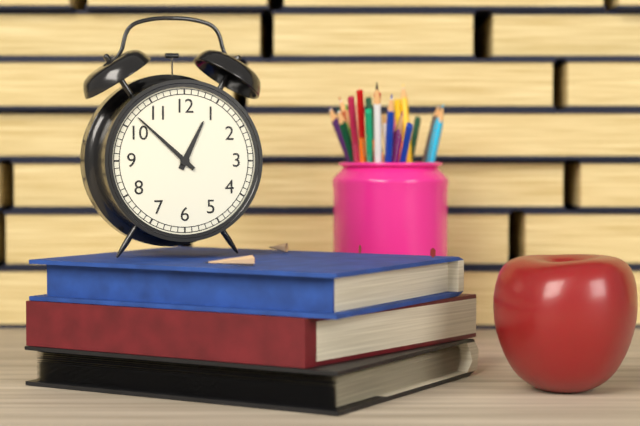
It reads **12:52**
